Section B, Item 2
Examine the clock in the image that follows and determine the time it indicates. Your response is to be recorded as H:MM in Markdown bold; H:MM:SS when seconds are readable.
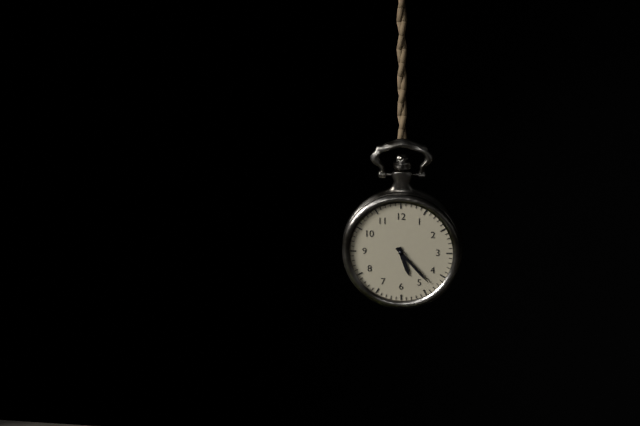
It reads **5:23**
